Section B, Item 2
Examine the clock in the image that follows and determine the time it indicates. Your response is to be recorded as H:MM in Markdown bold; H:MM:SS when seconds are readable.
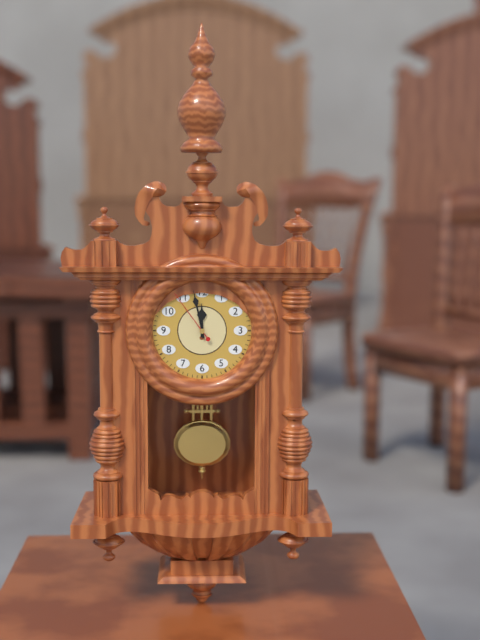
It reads **11:58:54**
